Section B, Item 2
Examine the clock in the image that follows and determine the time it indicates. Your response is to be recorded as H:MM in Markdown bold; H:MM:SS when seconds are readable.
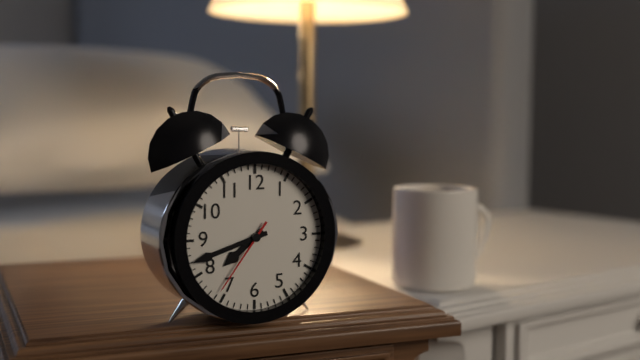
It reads **7:42:36**
